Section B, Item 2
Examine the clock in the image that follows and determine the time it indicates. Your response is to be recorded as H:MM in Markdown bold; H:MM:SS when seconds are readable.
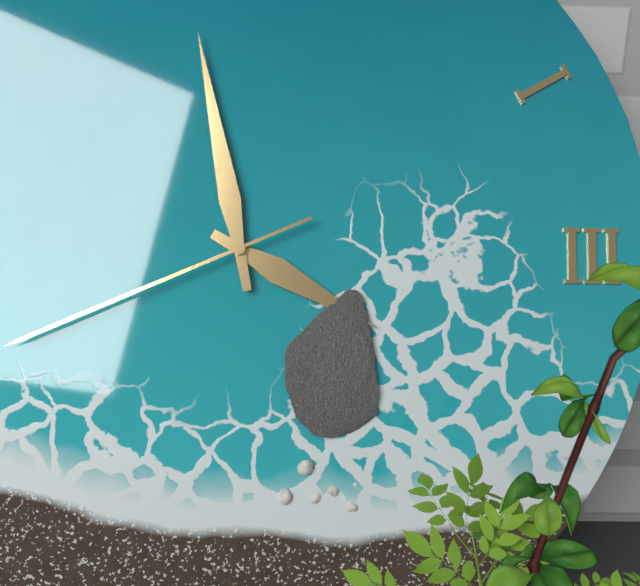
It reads **3:58:41**
